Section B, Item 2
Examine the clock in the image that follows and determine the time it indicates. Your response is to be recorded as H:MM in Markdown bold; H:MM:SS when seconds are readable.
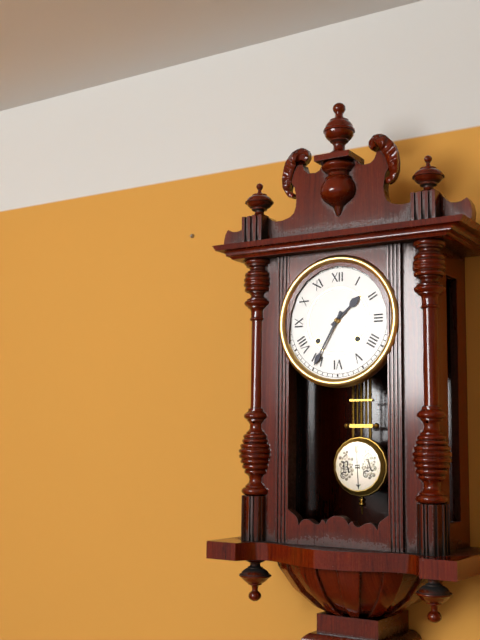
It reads **1:35**
